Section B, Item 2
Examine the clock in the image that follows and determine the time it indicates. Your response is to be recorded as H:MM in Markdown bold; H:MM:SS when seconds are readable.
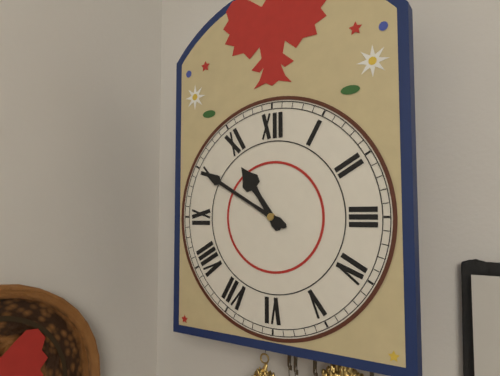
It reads **10:50**
